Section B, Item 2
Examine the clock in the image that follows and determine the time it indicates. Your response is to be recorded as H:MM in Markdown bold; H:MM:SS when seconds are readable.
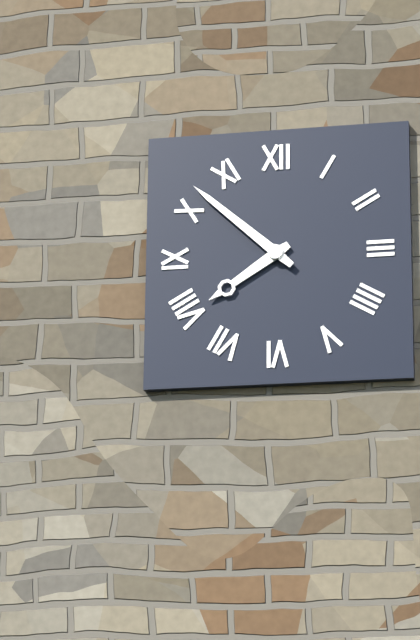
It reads **7:52**
